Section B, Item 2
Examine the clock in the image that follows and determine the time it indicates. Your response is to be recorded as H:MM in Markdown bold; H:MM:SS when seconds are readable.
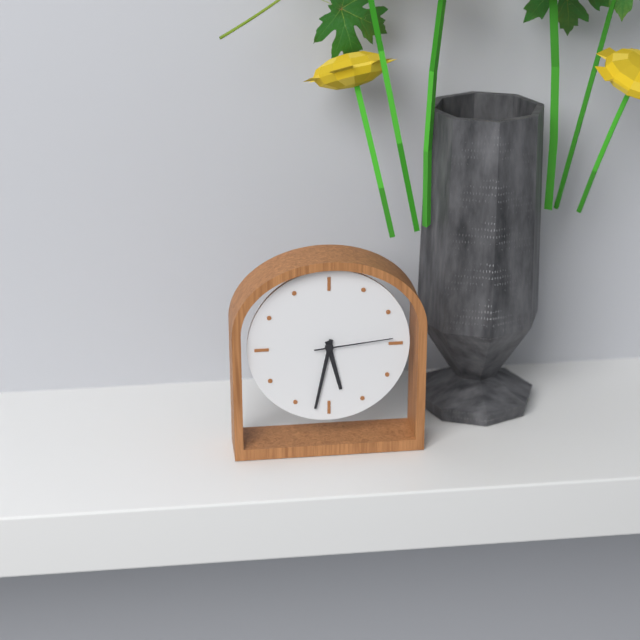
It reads **5:32:14**
